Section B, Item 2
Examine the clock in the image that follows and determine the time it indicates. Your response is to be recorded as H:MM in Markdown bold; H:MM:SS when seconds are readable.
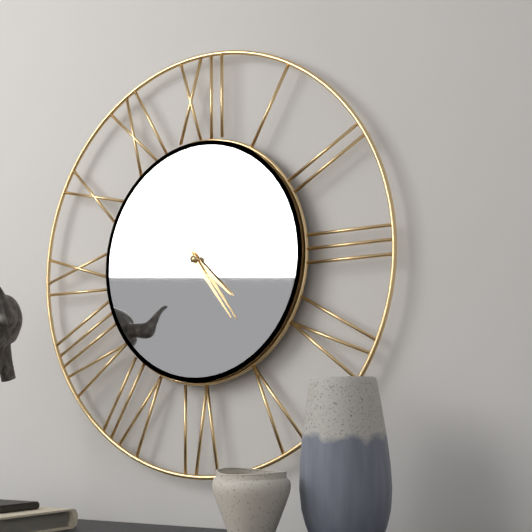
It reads **4:24**
